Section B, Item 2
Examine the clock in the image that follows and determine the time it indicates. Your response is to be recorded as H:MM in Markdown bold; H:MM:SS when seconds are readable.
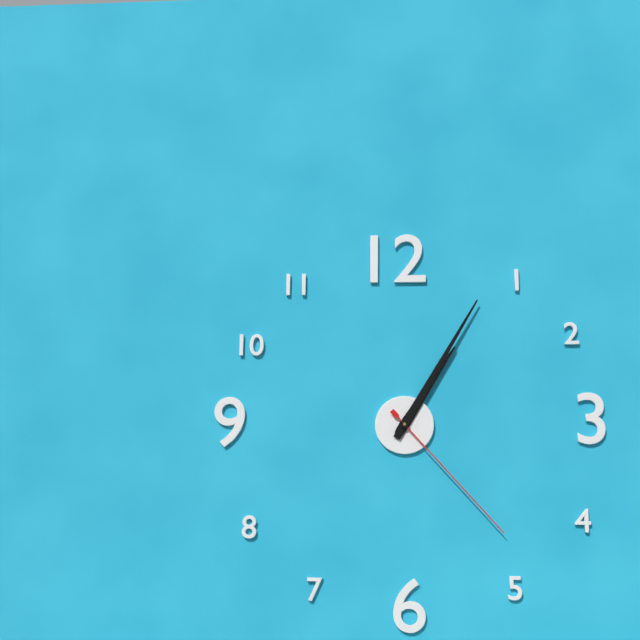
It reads **1:05:23**
